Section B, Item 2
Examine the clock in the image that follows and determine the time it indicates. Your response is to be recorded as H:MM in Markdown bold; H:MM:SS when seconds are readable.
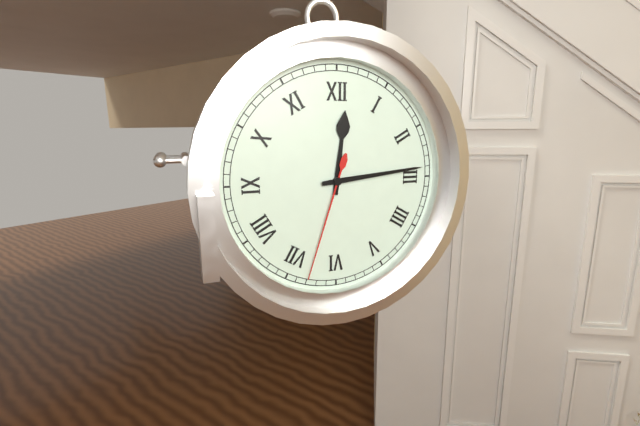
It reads **12:14:33**
